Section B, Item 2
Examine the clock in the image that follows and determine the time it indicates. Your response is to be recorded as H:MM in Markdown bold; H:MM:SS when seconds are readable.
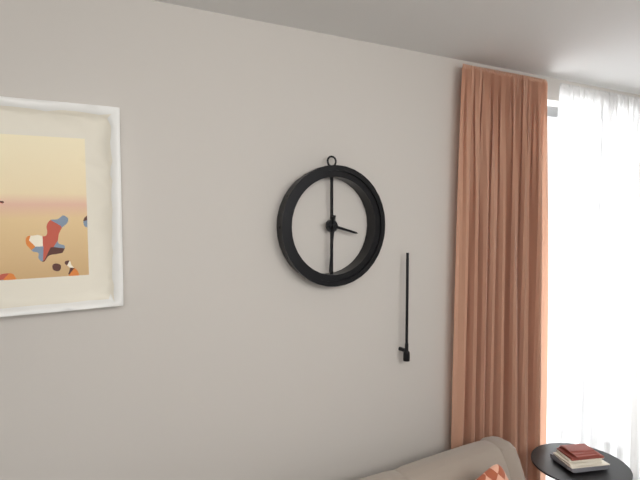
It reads **3:31**
